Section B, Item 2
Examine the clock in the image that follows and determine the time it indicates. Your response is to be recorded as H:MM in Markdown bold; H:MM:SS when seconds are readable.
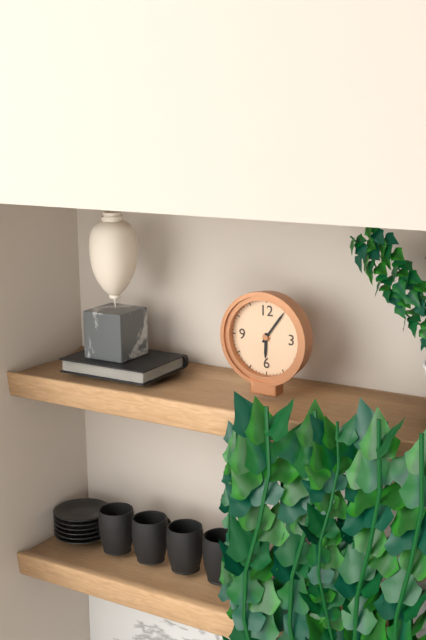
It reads **6:06**
